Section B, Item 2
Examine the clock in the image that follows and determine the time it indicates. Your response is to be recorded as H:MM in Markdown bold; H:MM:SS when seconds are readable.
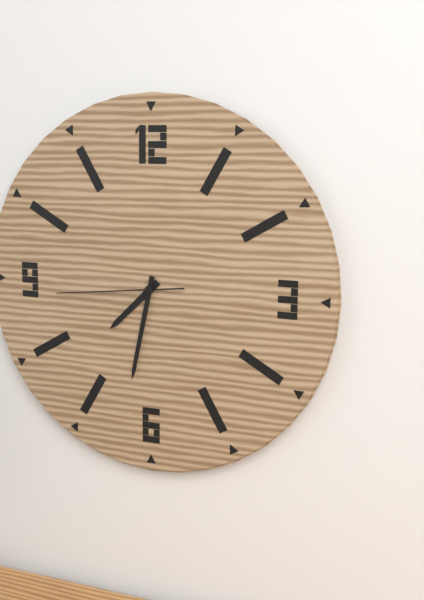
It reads **7:32:44**
